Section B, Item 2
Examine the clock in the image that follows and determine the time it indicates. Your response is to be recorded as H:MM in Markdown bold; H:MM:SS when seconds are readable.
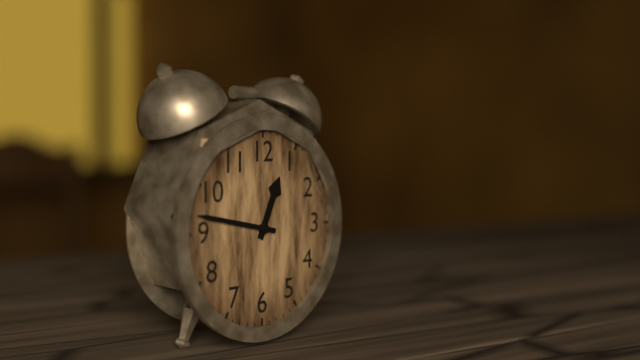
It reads **12:47**
